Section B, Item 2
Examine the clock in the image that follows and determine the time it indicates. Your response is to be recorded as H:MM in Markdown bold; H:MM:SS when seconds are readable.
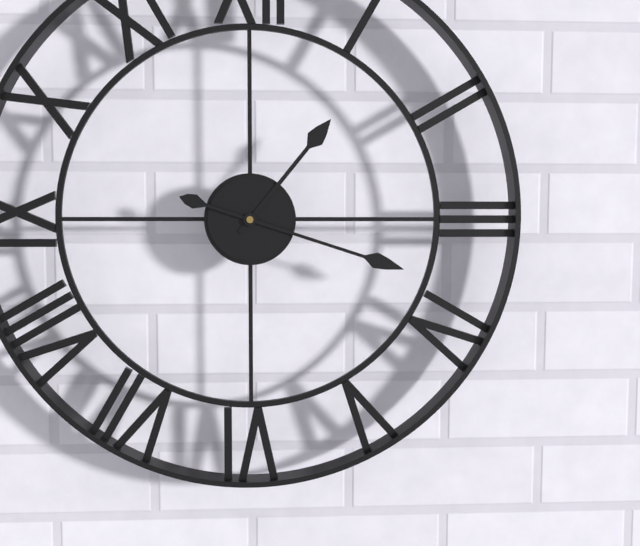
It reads **1:18**
